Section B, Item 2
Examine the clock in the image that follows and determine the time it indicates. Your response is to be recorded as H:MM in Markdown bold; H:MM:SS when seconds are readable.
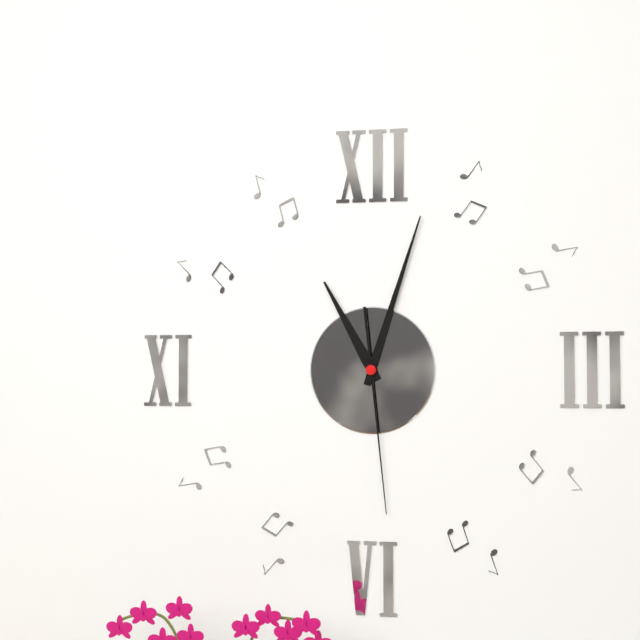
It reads **11:03:29**
